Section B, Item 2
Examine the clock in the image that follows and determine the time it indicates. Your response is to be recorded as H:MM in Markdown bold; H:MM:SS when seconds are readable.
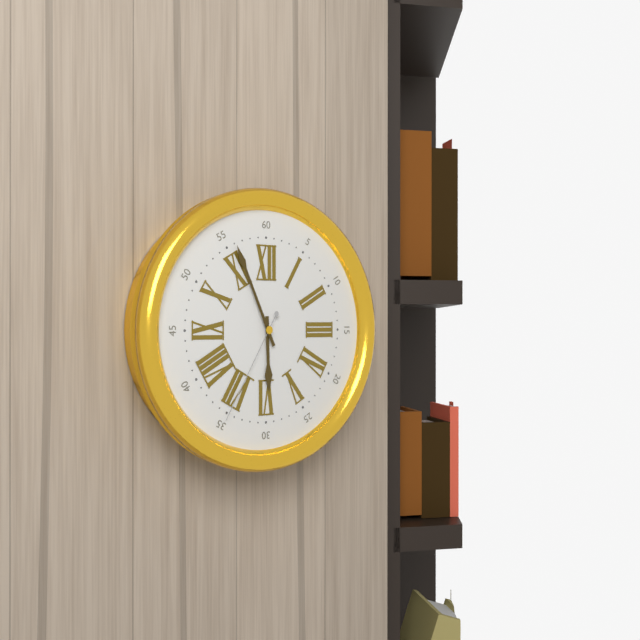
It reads **5:56:35**
